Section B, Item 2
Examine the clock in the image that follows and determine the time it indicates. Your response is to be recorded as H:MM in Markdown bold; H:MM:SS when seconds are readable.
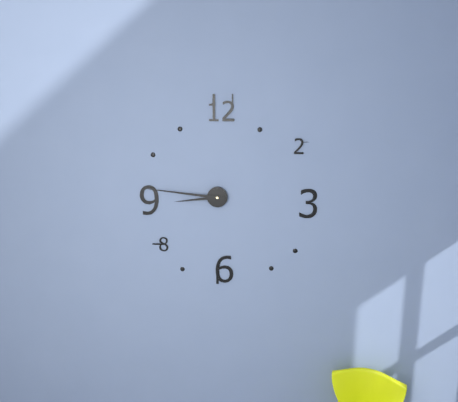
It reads **8:46**
